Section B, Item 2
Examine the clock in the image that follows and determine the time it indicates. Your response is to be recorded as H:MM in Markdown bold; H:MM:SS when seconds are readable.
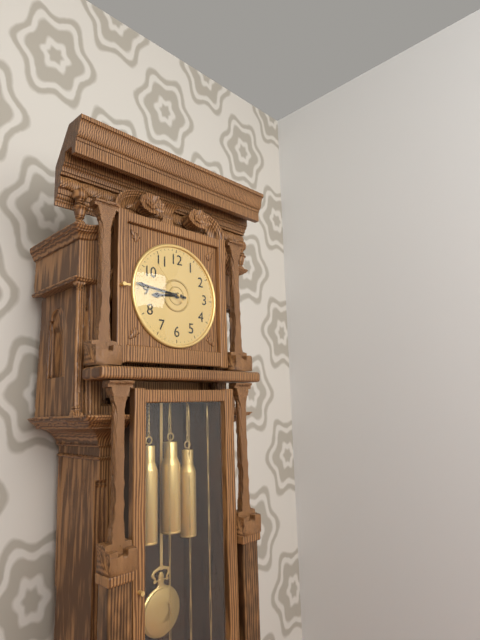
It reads **8:46:53**
